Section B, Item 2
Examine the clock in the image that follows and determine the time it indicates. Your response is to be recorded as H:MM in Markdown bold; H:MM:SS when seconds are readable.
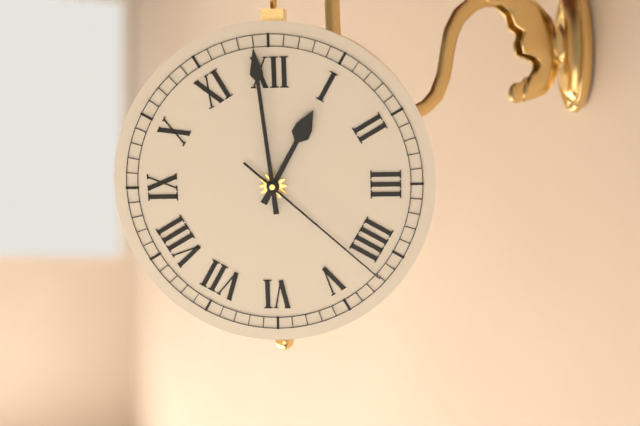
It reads **12:59:22**
